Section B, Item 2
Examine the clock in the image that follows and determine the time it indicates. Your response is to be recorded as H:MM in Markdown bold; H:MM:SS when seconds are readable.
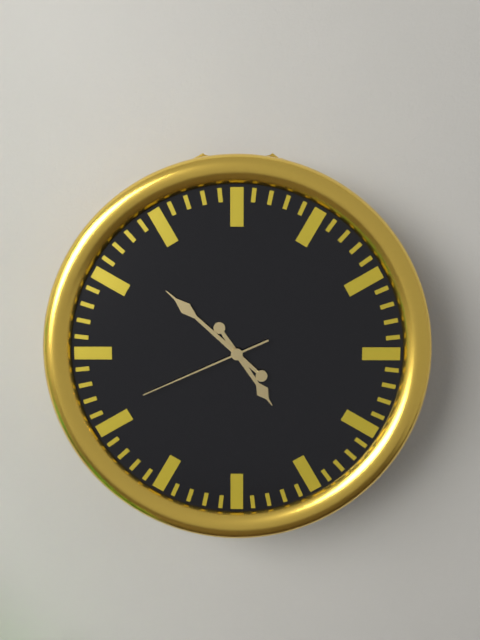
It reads **4:52:41**
